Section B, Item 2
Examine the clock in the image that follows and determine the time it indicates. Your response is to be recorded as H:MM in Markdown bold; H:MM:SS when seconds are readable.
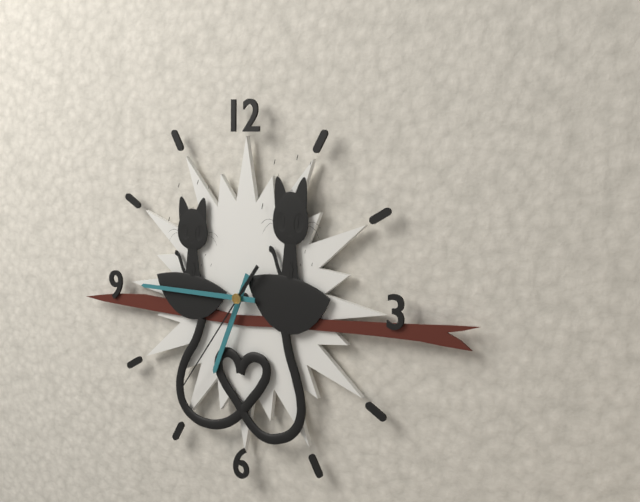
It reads **6:45:36**
